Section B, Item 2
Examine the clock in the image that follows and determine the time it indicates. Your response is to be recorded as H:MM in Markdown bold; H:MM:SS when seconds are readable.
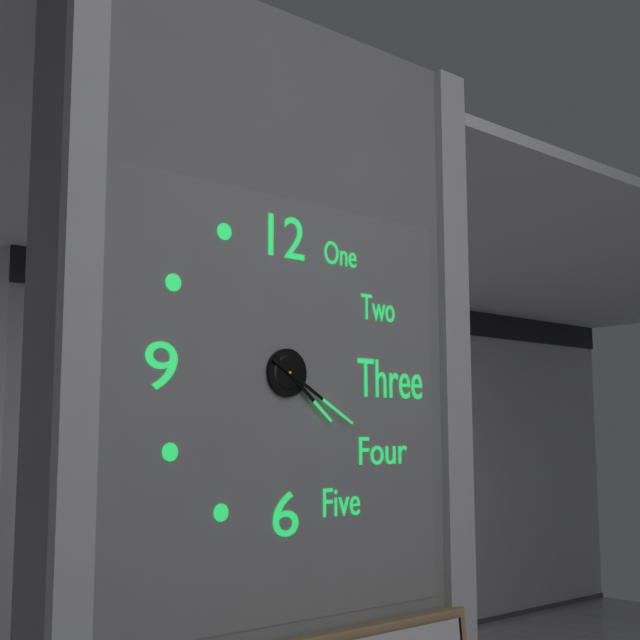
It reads **4:20**
